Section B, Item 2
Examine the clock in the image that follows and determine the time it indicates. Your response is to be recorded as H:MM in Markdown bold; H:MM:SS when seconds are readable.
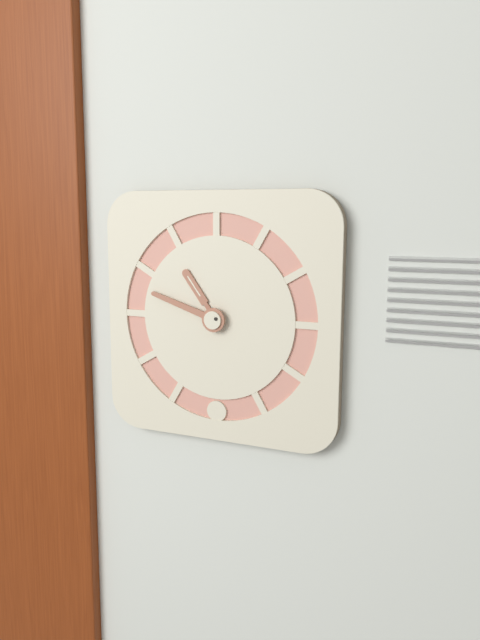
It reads **10:48**
